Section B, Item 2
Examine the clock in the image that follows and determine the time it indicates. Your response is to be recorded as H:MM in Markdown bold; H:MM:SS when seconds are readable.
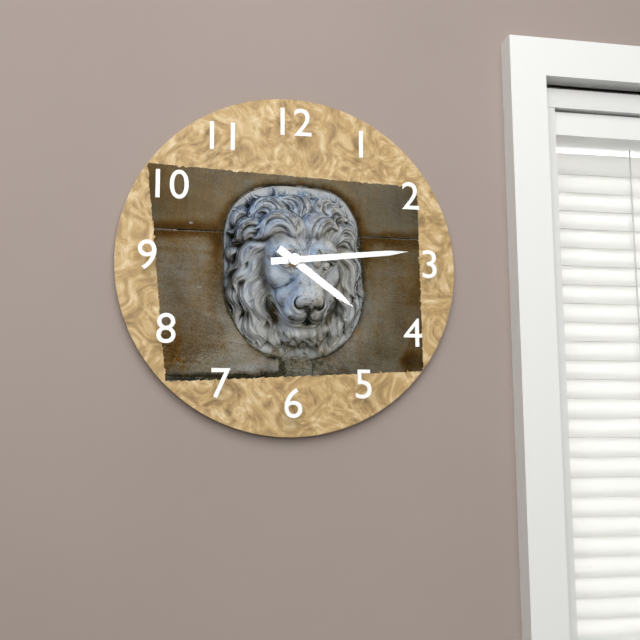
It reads **4:14**
